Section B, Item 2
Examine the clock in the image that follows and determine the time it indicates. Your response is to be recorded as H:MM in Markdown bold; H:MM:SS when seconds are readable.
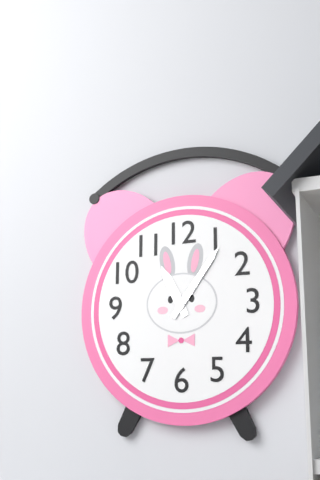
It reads **11:06**
